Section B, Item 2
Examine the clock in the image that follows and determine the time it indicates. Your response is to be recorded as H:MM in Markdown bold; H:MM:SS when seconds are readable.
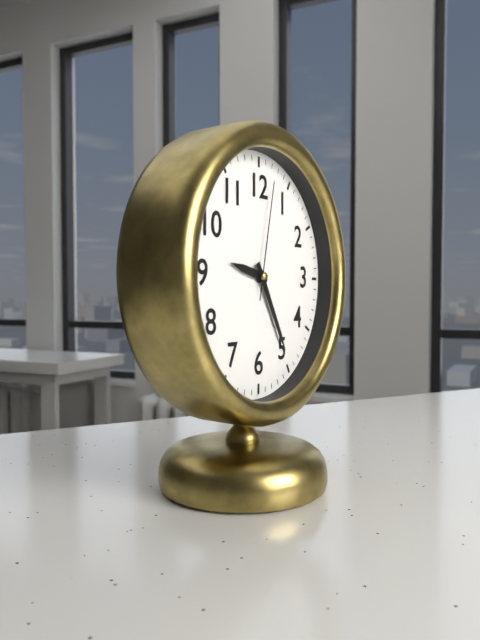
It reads **9:25:02**
